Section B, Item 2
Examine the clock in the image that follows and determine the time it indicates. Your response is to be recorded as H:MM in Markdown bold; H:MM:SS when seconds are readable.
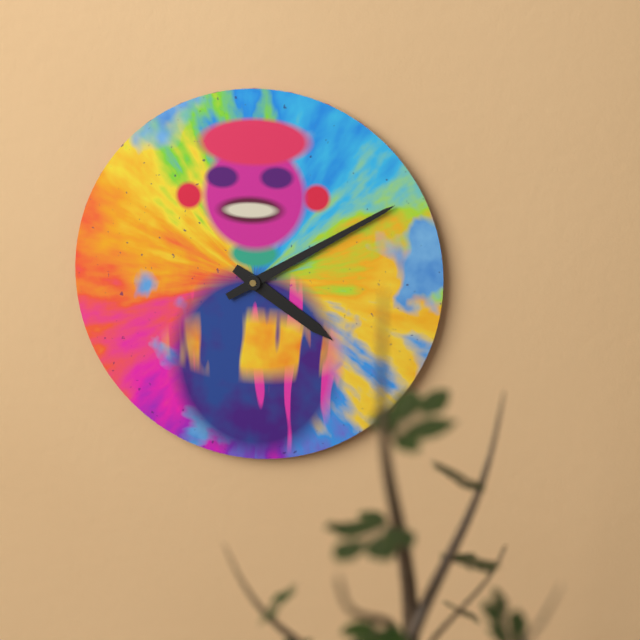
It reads **4:10**
